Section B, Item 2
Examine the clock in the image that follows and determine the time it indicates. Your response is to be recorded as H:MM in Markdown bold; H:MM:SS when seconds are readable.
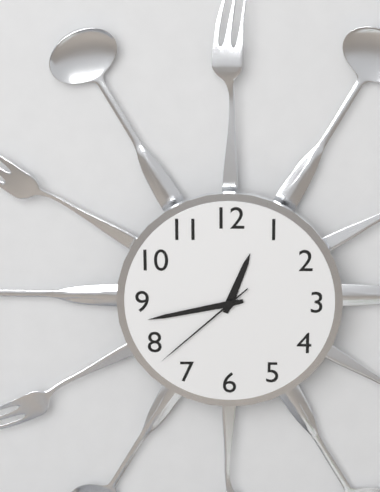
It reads **12:43:38**
